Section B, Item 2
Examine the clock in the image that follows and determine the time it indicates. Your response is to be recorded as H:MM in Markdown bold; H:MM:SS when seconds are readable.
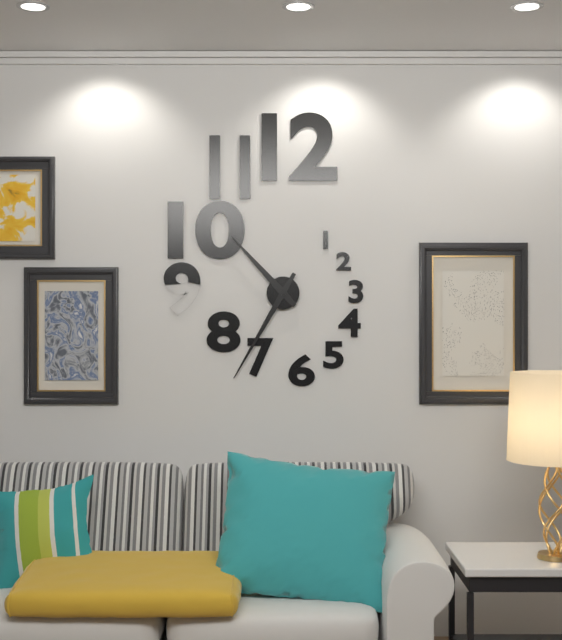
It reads **10:35**
